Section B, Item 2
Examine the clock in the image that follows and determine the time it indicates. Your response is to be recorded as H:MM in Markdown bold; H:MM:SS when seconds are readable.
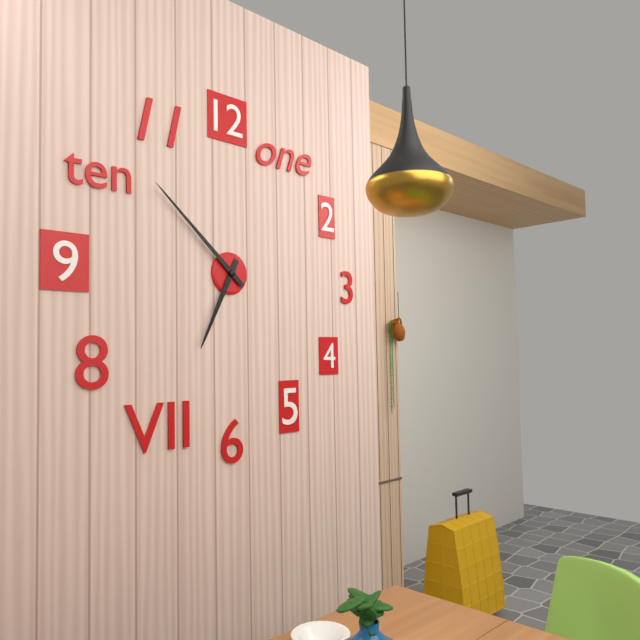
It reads **6:52**
